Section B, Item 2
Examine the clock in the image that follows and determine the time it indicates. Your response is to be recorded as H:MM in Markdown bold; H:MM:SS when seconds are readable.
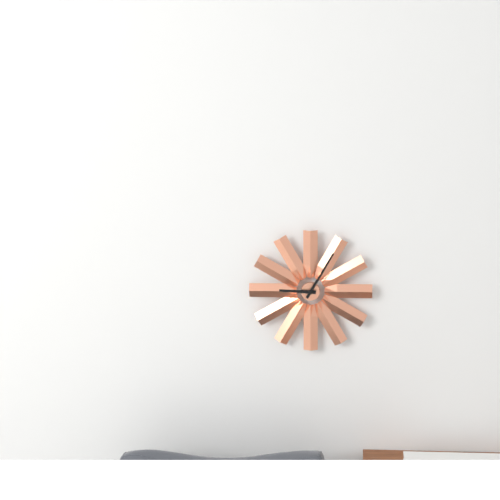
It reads **9:05**
